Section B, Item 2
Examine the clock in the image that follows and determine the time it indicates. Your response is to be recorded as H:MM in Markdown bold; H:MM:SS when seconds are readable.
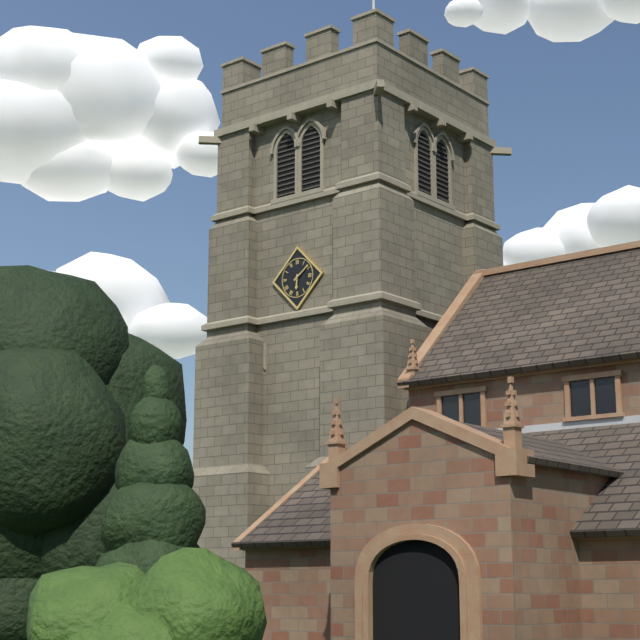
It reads **6:09**
